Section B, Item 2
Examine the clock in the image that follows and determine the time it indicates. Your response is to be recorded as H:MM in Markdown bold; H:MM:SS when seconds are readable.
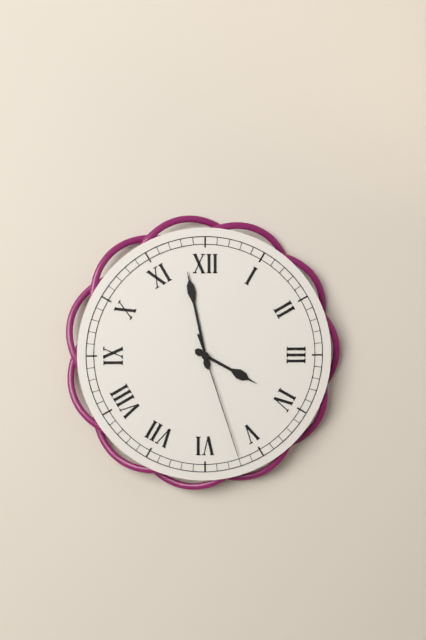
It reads **3:58:27**
